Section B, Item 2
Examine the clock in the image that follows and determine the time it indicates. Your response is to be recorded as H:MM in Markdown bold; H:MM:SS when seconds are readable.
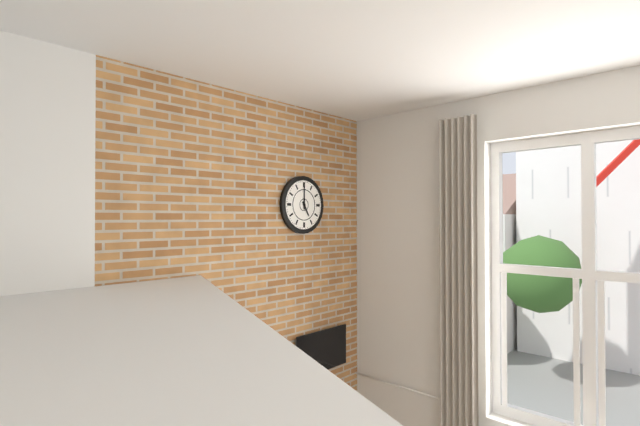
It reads **5:00**
